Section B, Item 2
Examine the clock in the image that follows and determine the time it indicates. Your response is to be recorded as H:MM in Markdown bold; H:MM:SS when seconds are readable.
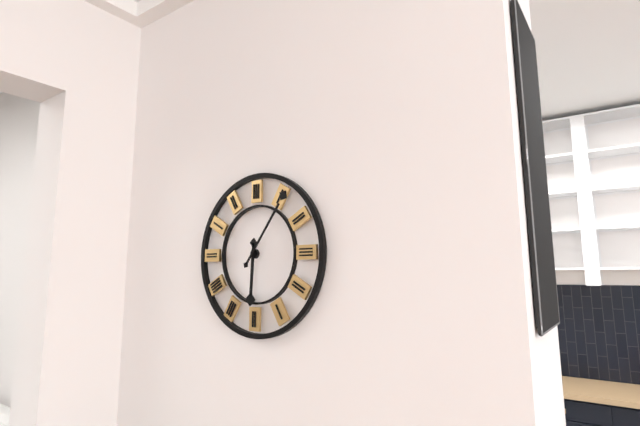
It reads **6:06**
